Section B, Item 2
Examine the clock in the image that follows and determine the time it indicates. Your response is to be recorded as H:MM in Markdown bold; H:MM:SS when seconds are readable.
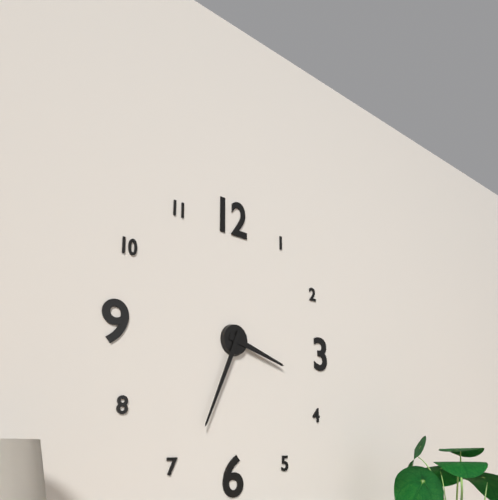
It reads **3:34**
